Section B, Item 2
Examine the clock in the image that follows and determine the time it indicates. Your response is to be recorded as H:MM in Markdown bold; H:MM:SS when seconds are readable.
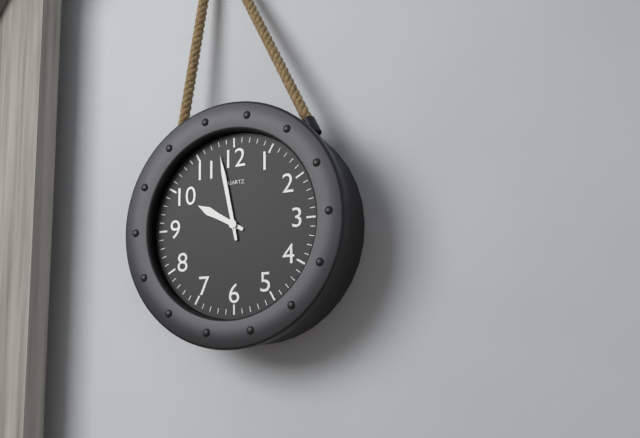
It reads **9:58**
